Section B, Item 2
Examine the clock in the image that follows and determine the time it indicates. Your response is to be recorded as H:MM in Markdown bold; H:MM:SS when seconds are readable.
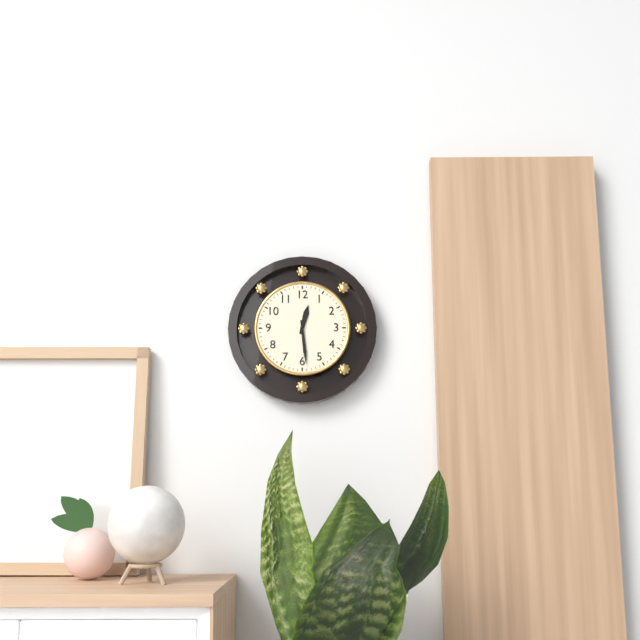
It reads **12:29**
